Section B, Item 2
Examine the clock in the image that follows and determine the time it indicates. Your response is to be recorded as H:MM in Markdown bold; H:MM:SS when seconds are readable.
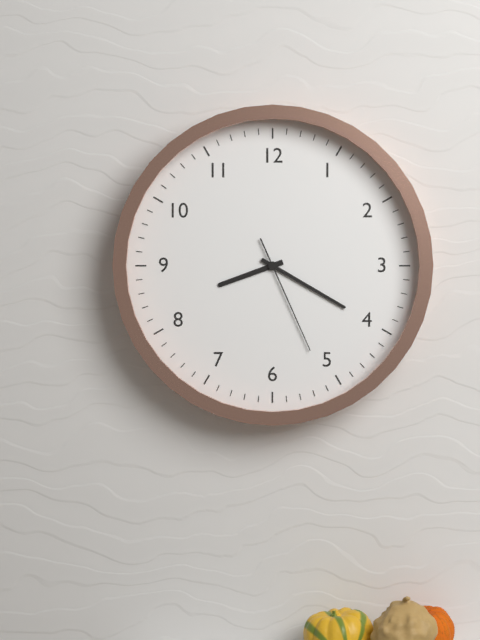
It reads **8:20:26**
